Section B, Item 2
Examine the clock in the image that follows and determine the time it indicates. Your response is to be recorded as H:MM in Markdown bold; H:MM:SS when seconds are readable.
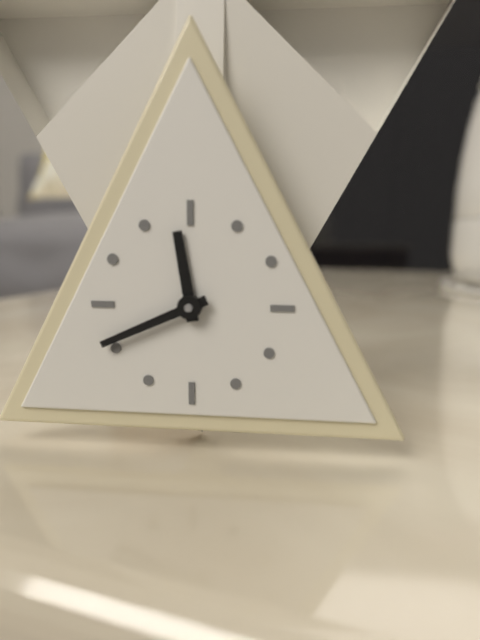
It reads **11:41**
